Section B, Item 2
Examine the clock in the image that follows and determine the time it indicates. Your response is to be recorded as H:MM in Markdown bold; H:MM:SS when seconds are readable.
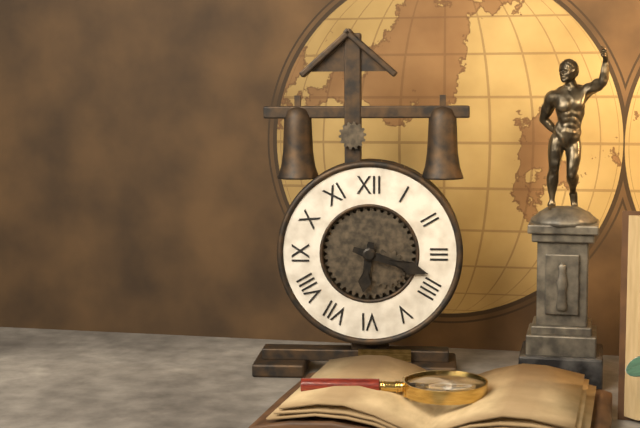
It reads **6:18**
